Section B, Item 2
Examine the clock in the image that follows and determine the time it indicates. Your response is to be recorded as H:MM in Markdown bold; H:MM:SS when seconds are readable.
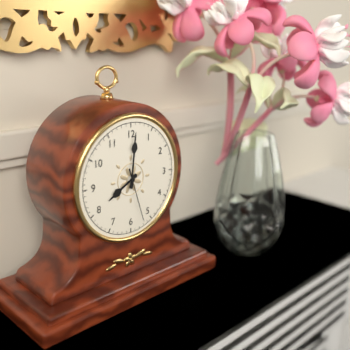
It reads **8:01:27**
